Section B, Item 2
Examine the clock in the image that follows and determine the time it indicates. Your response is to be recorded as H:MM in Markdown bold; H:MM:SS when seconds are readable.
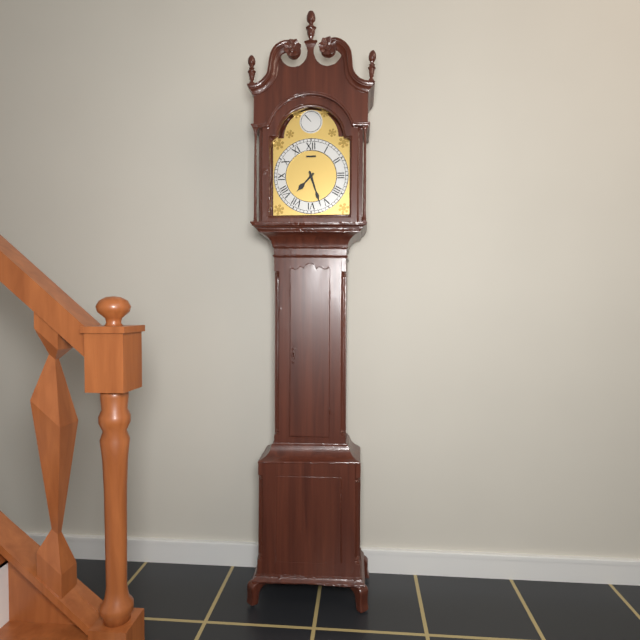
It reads **7:27**
